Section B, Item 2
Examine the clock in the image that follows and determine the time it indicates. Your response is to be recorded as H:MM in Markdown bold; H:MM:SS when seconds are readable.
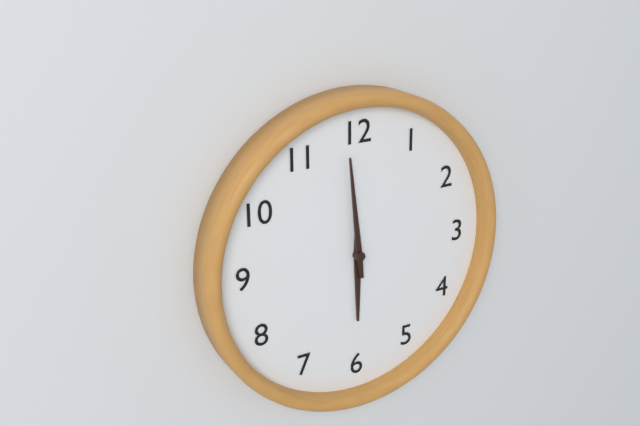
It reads **5:59**
